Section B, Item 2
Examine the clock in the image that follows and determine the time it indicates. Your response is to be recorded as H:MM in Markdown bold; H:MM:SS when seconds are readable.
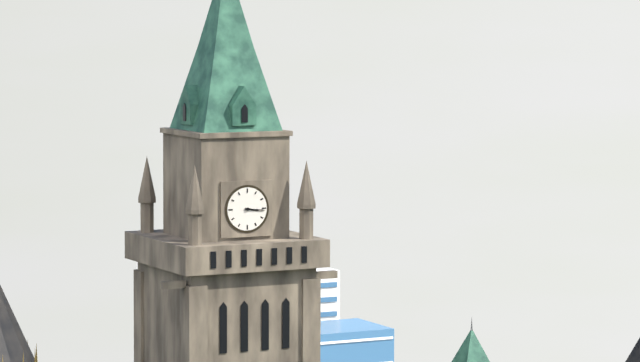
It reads **3:16**
